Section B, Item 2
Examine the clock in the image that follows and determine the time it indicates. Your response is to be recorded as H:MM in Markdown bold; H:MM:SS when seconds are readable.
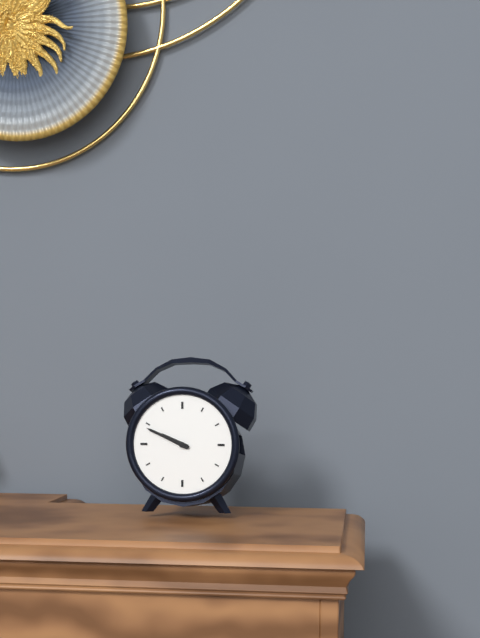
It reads **9:49**
